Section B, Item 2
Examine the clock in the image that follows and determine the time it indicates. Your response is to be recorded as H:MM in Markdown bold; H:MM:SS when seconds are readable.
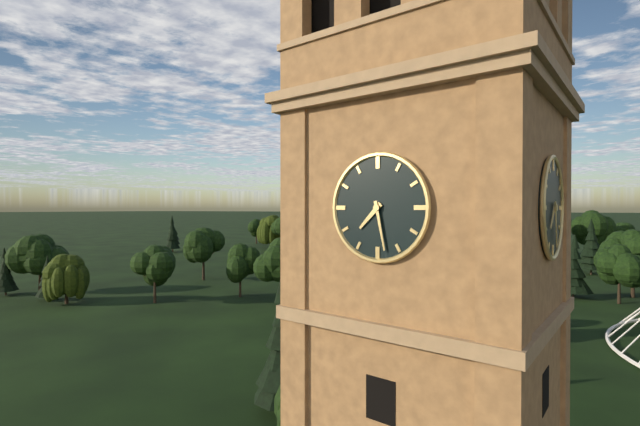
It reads **7:28**
